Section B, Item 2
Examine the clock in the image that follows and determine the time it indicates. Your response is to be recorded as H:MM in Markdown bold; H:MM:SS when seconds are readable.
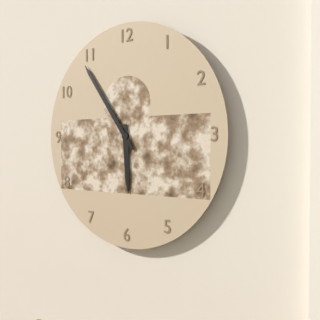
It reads **5:54**
